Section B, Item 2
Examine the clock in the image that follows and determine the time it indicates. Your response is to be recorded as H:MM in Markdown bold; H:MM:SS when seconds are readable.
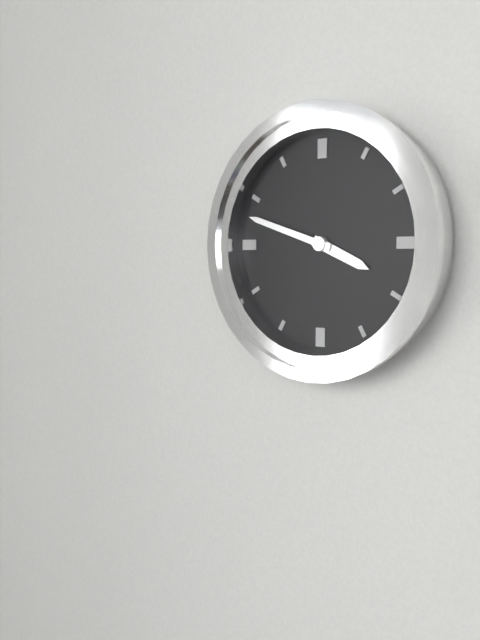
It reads **3:48**
